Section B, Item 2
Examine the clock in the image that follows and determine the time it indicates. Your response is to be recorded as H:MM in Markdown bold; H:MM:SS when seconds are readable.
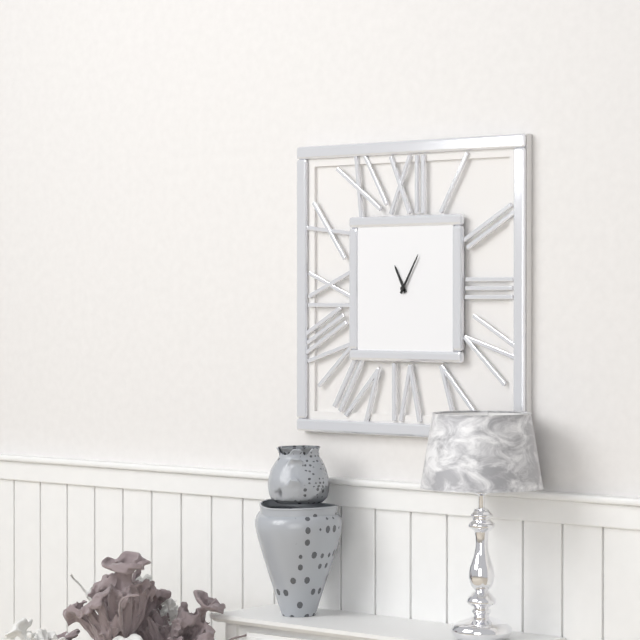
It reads **11:05**
